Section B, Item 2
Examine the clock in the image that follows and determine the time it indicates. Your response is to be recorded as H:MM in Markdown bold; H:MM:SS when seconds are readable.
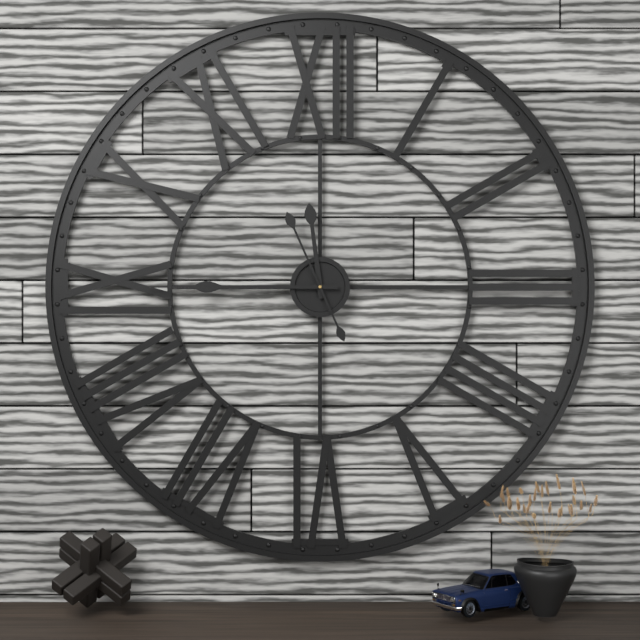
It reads **11:45:56**
